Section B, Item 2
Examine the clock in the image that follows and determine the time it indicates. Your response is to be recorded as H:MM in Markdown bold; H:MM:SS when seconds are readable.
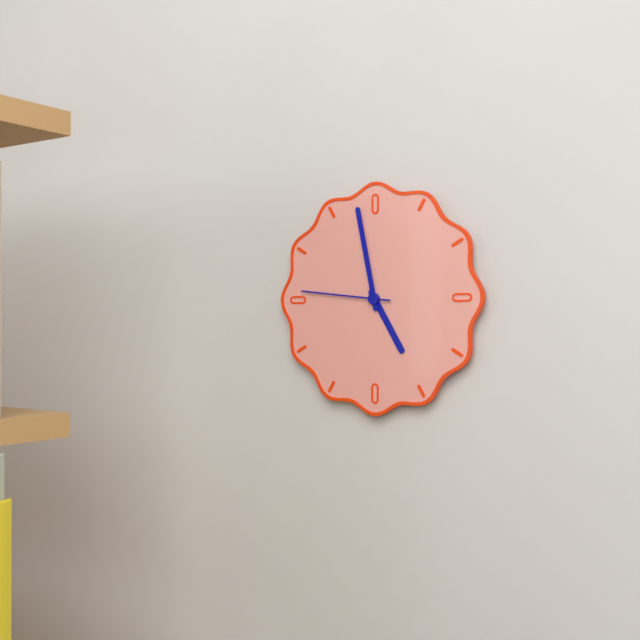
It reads **4:58:46**
